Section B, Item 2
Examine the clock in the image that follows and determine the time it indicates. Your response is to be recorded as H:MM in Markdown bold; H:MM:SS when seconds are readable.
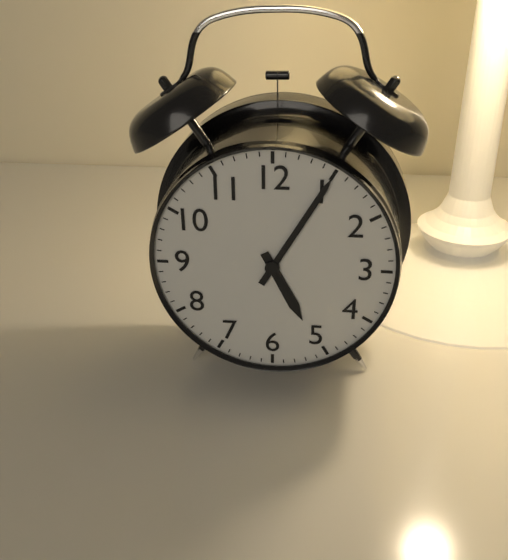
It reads **5:05**
